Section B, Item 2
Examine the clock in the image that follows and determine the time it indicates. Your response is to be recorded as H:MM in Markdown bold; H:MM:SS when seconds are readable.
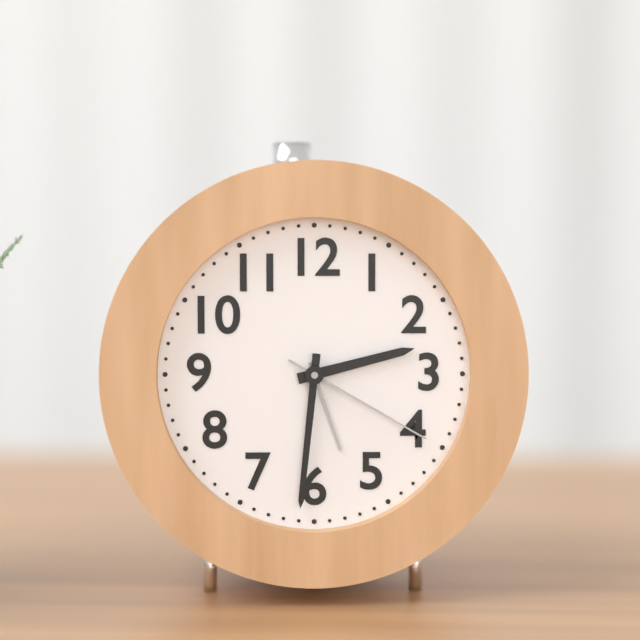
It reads **2:31:20**
